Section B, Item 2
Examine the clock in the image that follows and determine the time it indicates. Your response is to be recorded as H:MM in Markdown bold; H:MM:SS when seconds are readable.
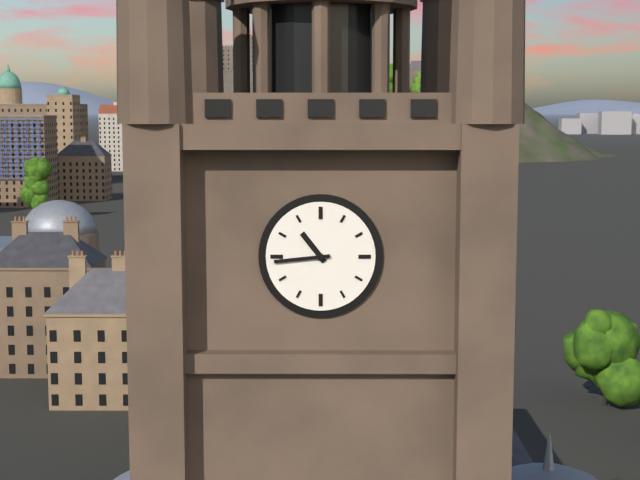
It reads **10:44**
